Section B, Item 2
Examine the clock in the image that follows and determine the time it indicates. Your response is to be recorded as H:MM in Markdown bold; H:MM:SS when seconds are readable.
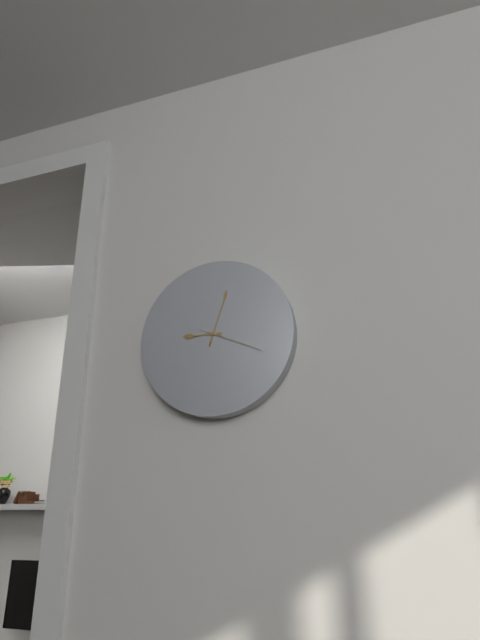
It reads **9:03:19**
